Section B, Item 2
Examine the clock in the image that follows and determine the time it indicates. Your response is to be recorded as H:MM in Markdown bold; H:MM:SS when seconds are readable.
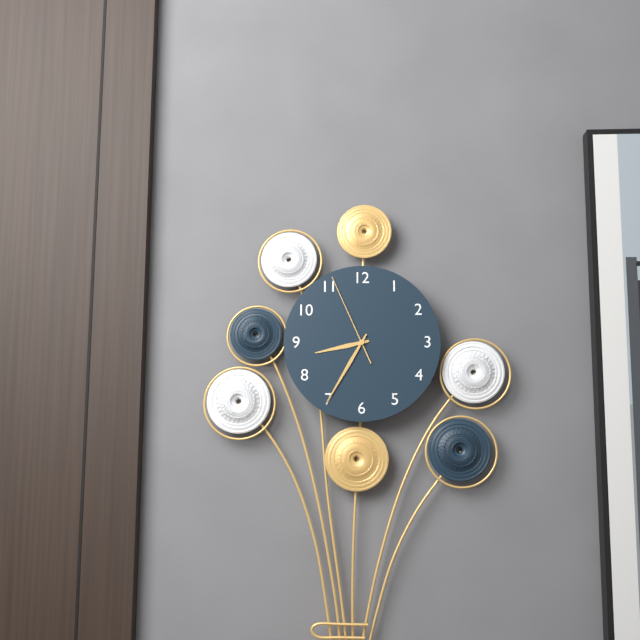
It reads **8:35:56**
